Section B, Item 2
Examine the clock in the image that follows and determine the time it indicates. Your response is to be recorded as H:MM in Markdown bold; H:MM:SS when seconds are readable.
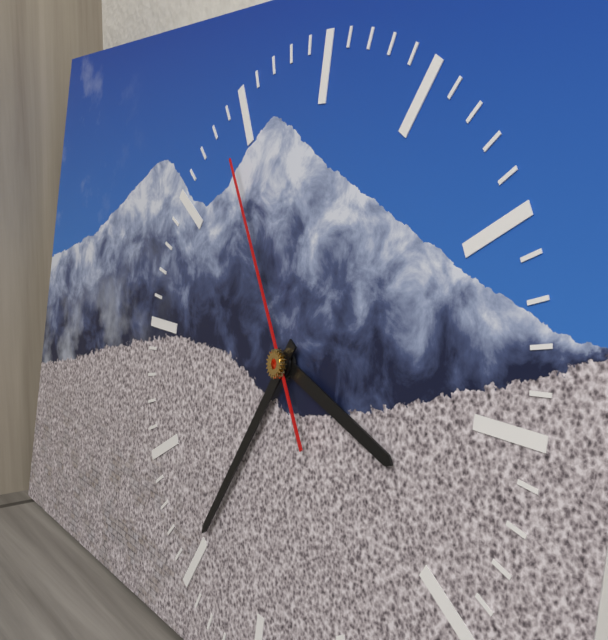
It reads **3:35:54**
